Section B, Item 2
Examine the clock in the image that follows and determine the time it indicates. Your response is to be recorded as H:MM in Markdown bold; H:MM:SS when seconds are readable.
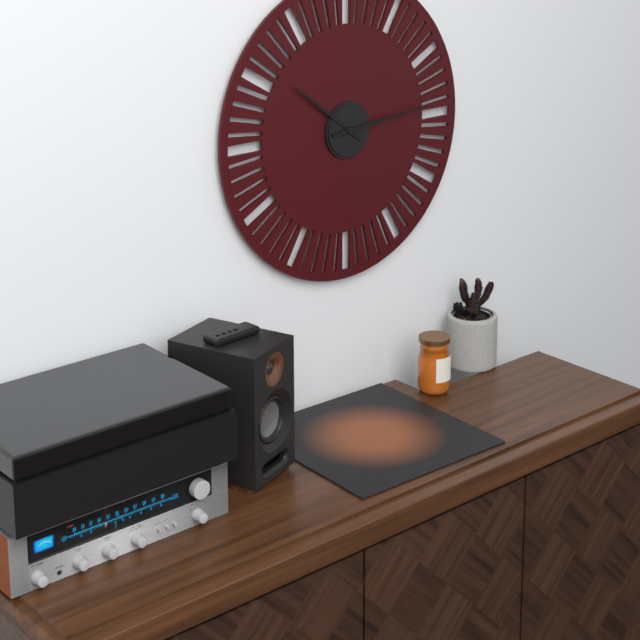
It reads **10:14**
